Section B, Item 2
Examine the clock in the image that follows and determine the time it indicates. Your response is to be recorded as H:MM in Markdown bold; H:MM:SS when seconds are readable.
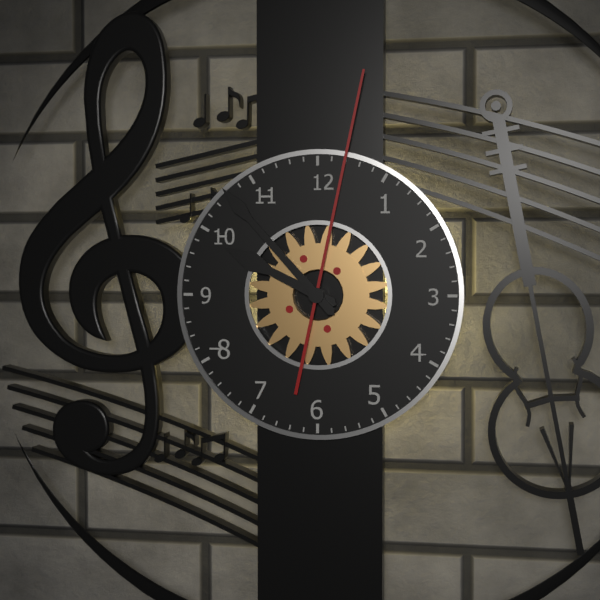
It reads **9:53:02**
